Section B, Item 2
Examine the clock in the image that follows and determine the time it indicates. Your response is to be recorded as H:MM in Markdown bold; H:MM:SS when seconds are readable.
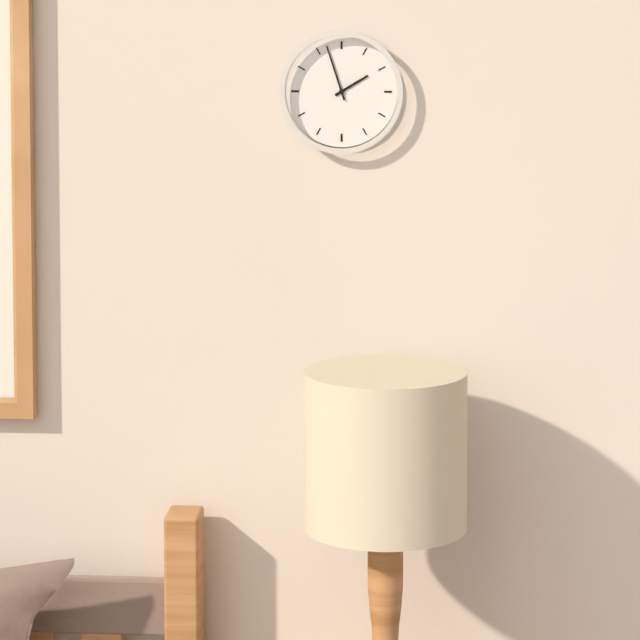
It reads **1:57**
